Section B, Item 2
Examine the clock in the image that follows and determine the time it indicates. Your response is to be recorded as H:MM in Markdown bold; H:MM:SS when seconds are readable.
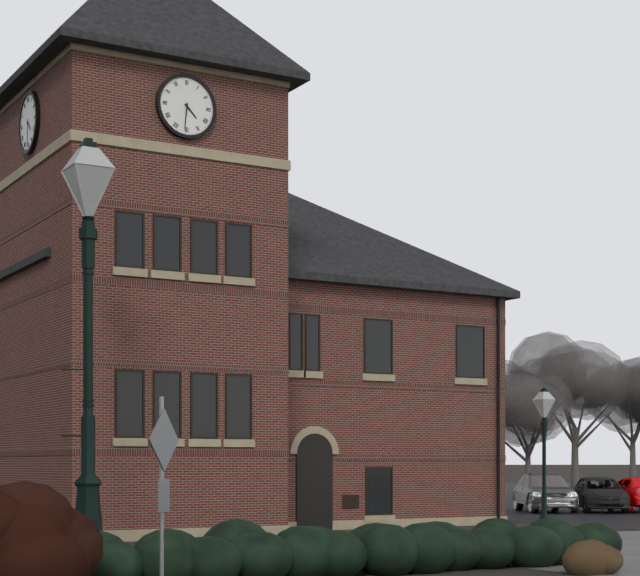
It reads **4:31**
